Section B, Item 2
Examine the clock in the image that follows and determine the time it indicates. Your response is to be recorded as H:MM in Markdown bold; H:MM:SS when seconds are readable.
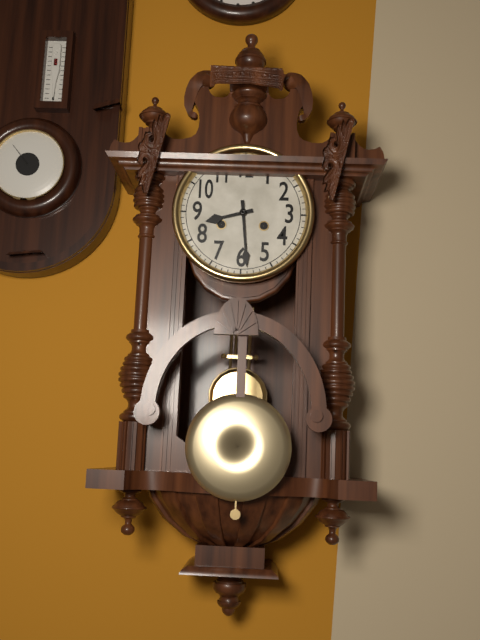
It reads **8:29**
